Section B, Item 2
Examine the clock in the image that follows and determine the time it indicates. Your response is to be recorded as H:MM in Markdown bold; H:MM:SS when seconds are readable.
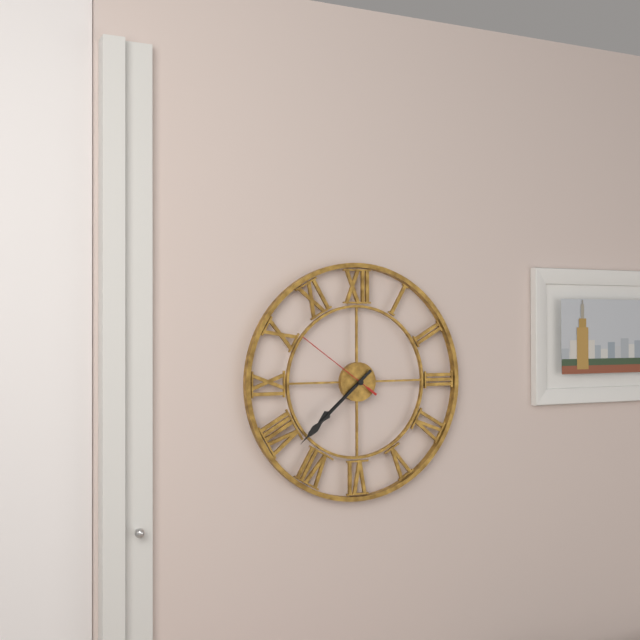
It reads **7:38:51**
